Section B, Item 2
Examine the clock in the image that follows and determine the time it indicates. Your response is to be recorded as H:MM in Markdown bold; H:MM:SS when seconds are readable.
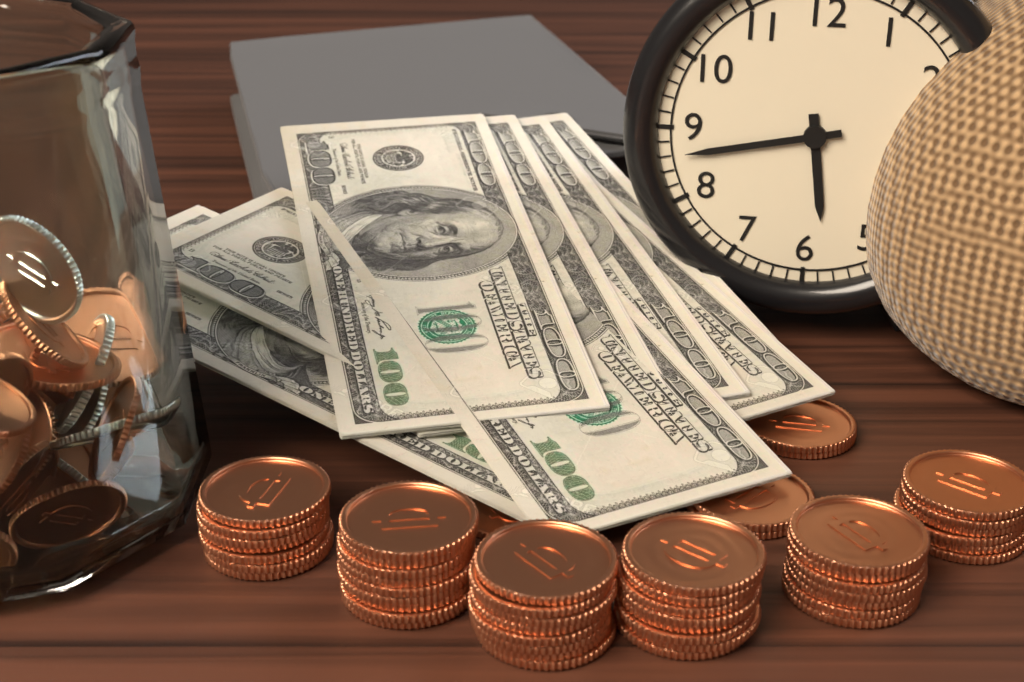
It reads **5:43**
